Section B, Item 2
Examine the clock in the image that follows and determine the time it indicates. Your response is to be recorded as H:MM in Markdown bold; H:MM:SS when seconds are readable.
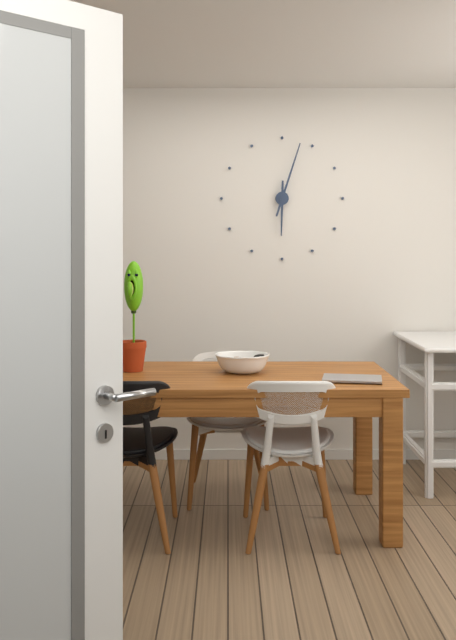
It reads **6:03**
